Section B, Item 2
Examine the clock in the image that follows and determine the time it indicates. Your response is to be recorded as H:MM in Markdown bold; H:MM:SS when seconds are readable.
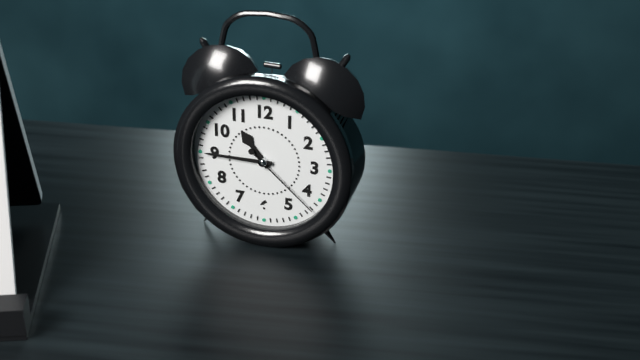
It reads **10:45:22**
